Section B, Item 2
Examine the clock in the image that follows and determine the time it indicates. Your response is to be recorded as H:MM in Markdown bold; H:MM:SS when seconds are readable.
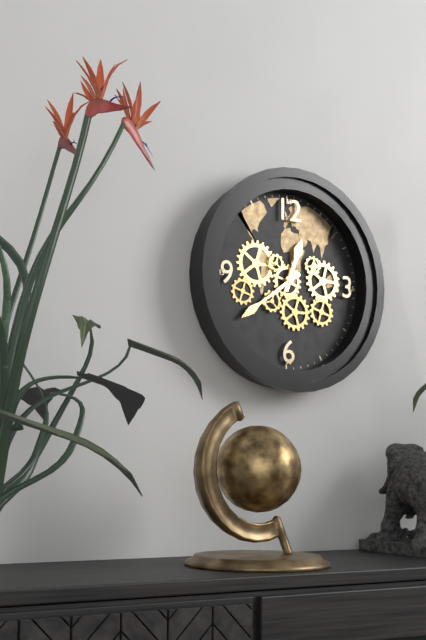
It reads **12:39**
